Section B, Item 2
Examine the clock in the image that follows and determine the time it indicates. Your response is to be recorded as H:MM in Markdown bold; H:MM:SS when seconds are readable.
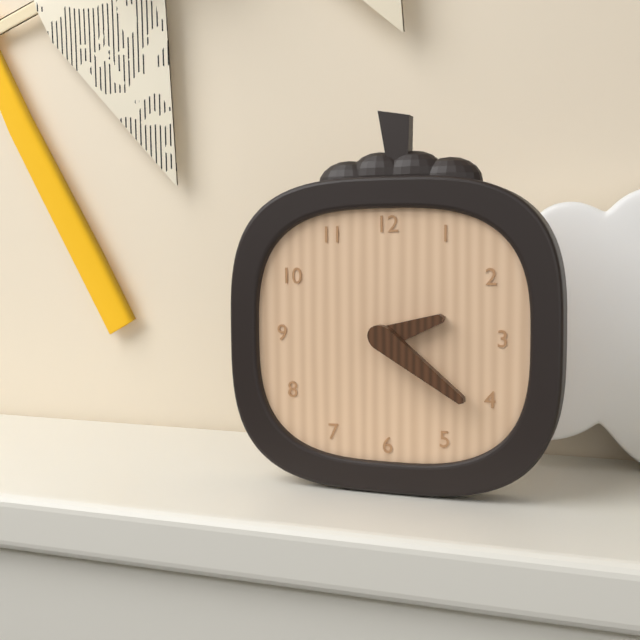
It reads **2:21**
